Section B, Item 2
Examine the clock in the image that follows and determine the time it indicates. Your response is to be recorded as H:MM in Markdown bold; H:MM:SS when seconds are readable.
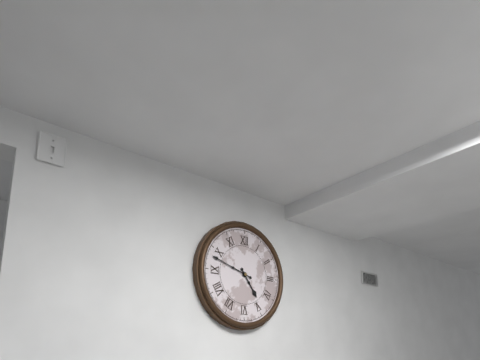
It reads **4:48**
